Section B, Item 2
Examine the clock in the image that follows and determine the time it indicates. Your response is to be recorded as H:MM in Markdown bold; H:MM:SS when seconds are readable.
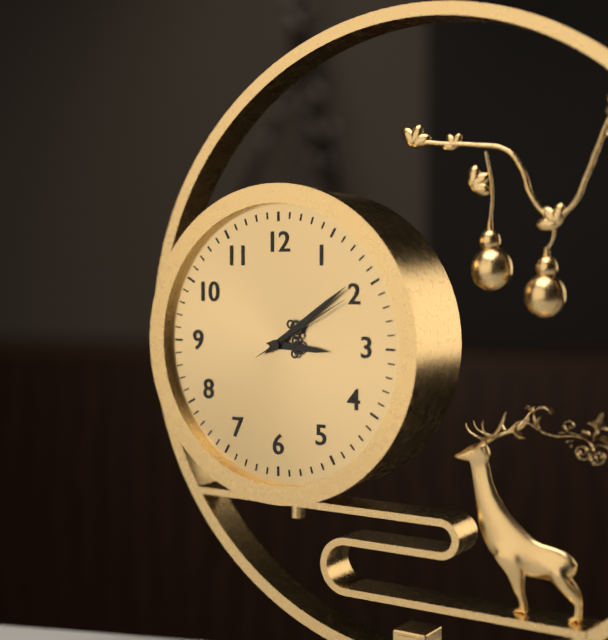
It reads **3:09:10**
